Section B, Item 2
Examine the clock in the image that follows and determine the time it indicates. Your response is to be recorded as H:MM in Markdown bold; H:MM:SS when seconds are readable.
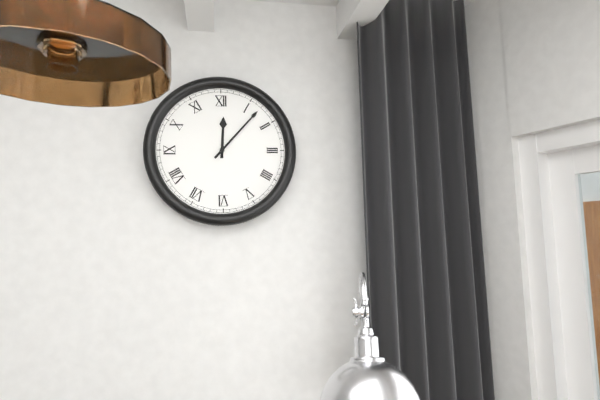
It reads **12:07**
